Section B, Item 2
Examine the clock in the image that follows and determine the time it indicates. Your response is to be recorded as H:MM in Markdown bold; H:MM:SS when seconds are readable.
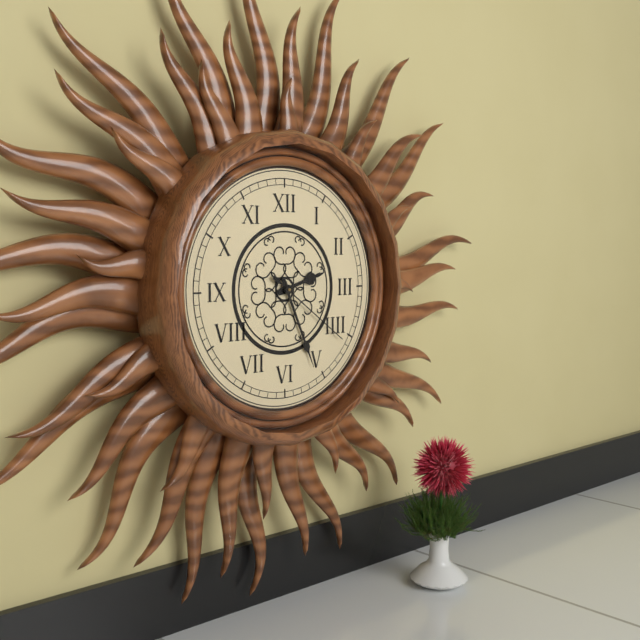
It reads **2:26:21**
